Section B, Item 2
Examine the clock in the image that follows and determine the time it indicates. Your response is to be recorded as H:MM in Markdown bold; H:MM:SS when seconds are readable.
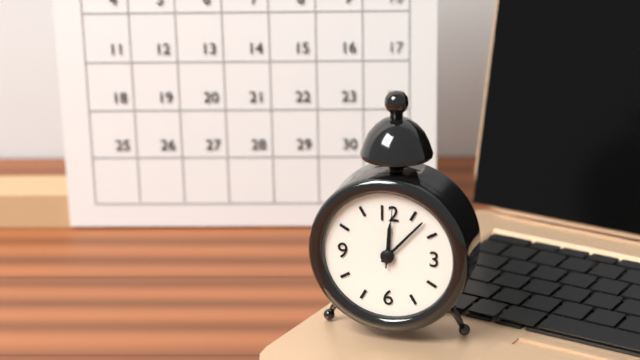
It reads **12:07**
